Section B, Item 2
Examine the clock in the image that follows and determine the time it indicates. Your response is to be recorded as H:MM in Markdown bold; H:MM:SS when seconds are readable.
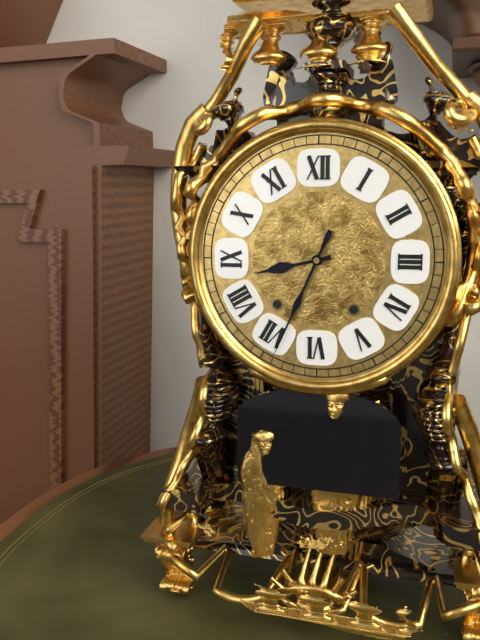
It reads **8:34**
